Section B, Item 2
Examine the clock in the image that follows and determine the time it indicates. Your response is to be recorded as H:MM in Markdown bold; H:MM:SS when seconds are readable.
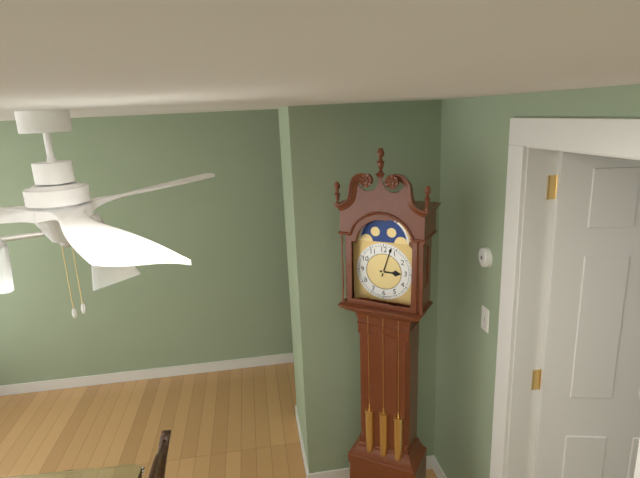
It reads **3:03**
